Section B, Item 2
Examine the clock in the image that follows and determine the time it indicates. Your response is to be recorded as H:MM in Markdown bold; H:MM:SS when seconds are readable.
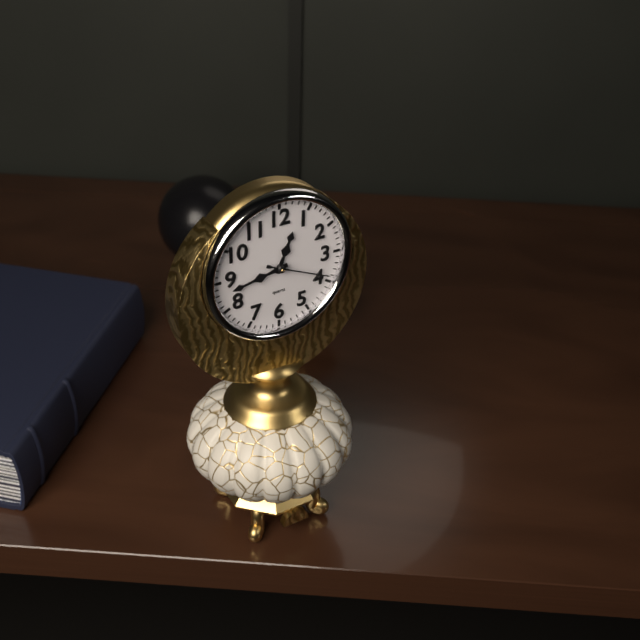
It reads **12:43:19**
